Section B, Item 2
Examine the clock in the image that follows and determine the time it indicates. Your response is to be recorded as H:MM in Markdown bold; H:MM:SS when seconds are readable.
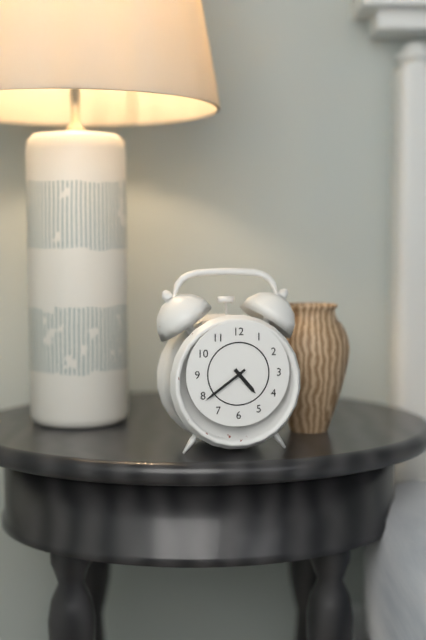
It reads **4:39**
